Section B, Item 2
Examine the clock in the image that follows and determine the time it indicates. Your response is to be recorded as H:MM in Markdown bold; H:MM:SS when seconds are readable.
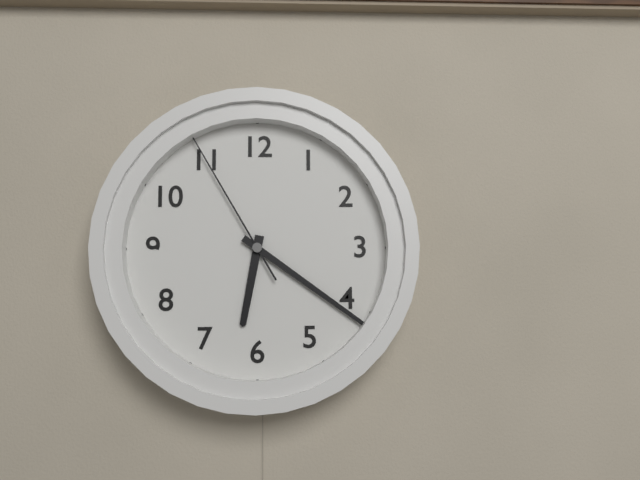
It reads **6:21:55**
